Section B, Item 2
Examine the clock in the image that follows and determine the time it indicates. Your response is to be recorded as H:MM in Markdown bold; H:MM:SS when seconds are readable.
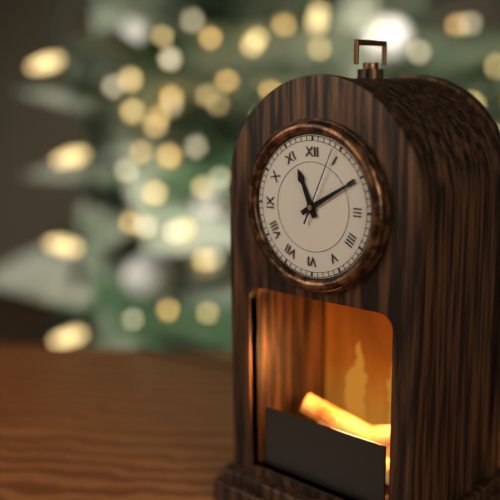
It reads **11:10:04**
